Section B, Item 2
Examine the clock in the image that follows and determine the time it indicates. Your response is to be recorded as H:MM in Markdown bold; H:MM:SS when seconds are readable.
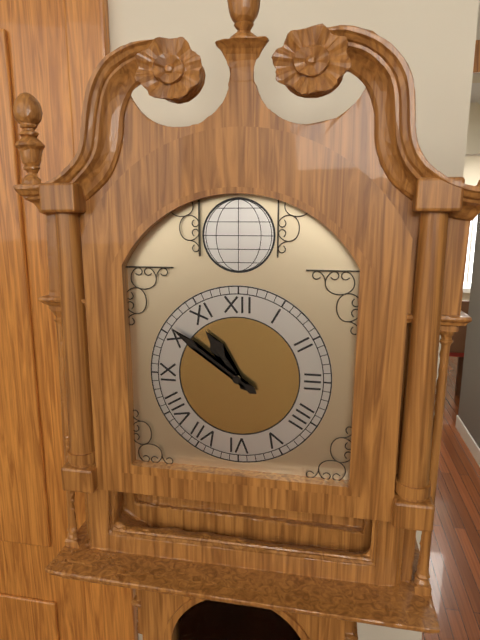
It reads **10:51**
